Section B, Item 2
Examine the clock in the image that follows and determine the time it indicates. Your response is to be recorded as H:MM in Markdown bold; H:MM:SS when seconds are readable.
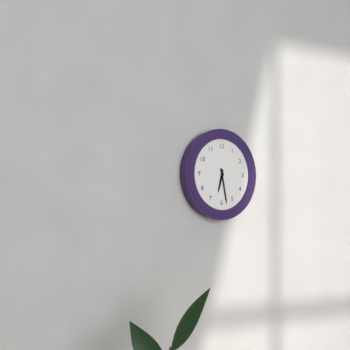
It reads **6:28**
